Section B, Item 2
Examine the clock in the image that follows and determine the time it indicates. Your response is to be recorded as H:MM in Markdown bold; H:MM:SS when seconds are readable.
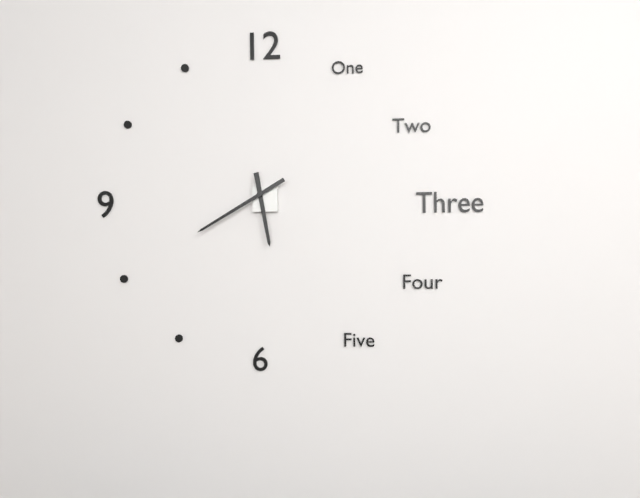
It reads **5:40**
